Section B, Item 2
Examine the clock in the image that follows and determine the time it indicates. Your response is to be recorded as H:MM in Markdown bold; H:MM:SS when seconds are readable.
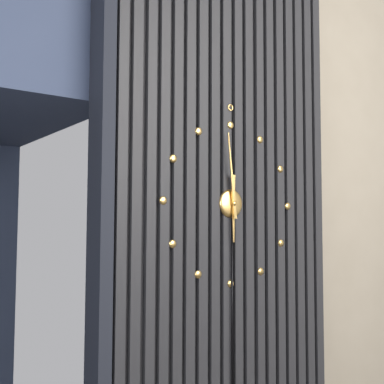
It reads **5:59**
